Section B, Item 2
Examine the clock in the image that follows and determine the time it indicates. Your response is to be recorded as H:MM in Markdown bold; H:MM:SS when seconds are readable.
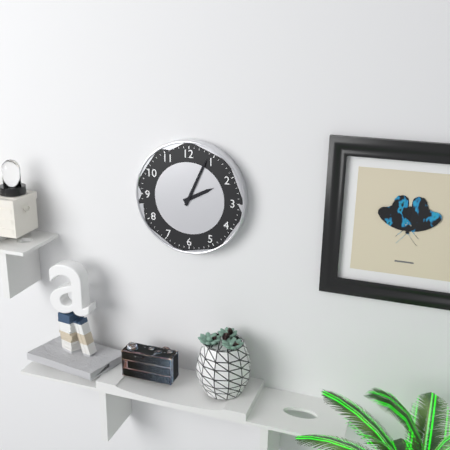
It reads **2:04**
